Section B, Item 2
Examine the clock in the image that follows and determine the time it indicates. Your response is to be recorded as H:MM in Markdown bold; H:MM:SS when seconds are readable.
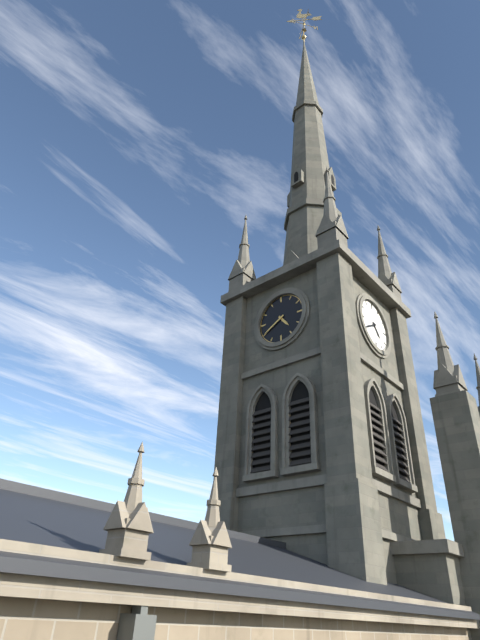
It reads **4:40**
